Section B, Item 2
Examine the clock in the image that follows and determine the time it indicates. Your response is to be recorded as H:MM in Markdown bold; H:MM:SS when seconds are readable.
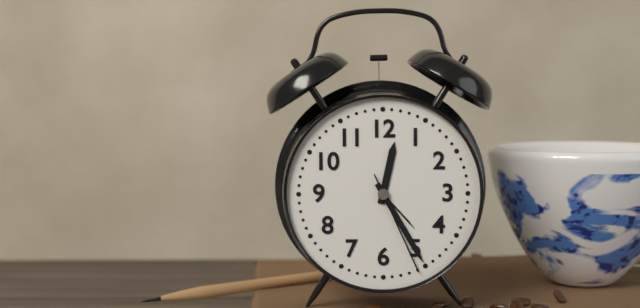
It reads **12:25:26**
